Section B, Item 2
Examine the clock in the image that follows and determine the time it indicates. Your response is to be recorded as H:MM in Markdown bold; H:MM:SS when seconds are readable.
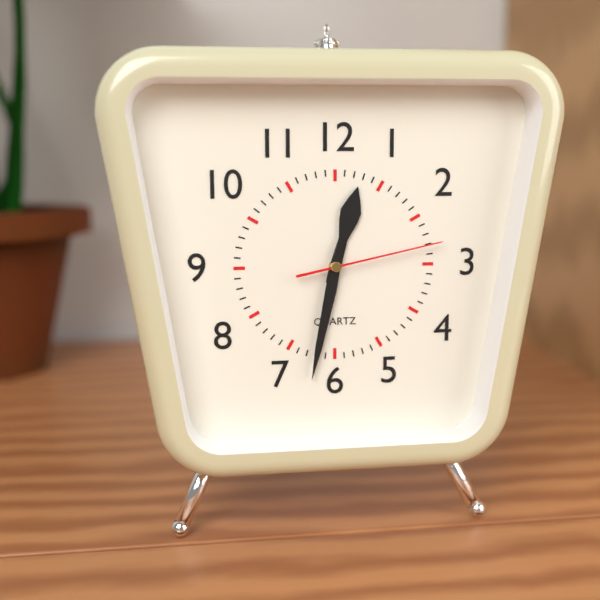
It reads **12:32:13**
